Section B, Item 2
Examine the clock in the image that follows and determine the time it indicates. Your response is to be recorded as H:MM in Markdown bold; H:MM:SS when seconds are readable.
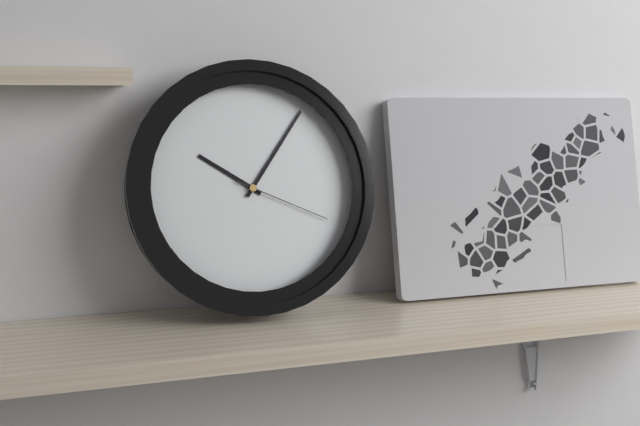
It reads **10:06:19**
